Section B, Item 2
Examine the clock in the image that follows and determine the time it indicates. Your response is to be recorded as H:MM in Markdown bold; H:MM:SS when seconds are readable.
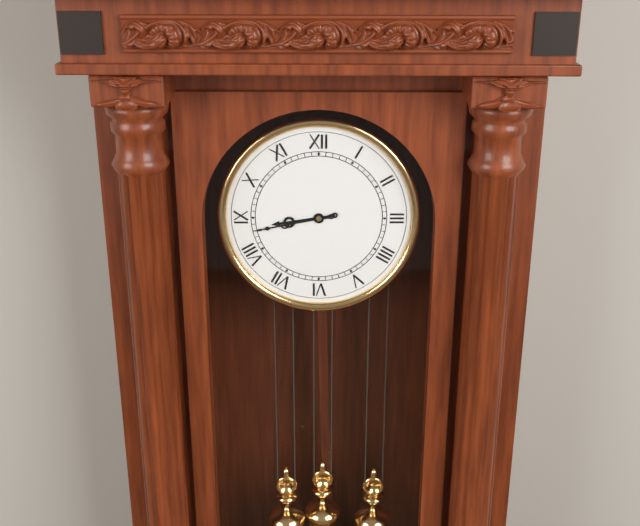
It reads **8:43**
